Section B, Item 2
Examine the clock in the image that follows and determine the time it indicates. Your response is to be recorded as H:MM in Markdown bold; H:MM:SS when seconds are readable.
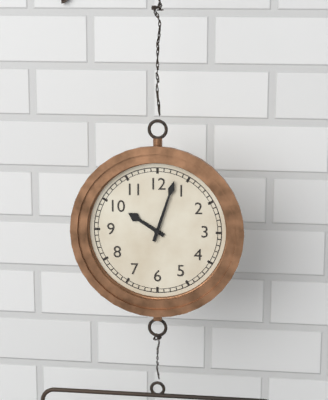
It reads **10:03**
